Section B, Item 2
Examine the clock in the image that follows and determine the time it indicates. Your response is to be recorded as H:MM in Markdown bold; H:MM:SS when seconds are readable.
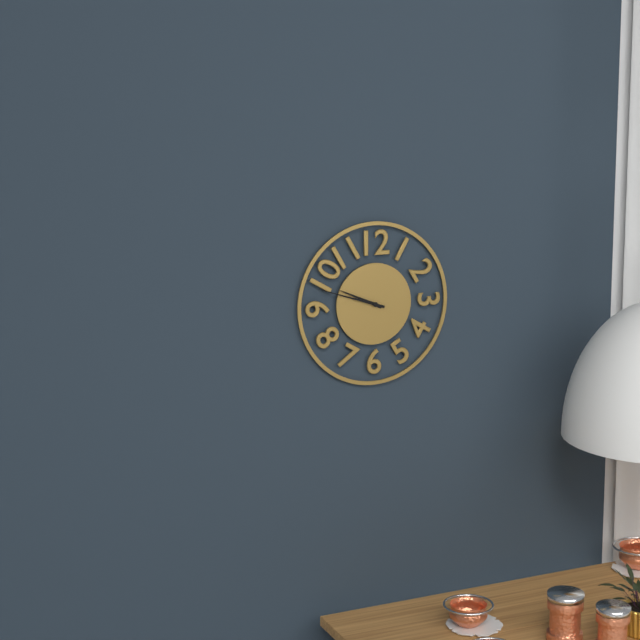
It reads **9:48**
